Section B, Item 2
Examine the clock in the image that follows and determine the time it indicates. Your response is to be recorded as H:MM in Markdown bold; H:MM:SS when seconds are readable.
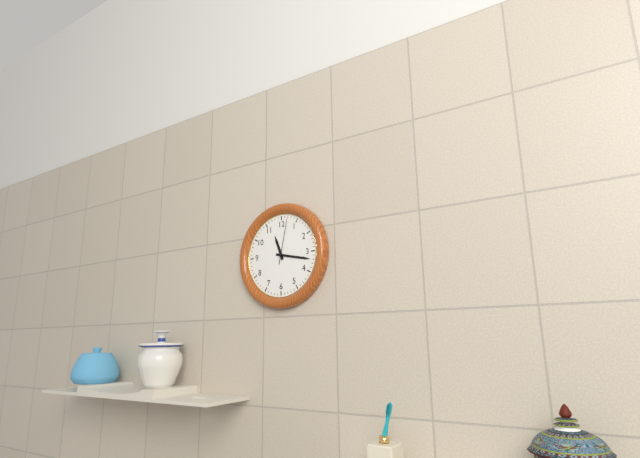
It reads **11:17**
